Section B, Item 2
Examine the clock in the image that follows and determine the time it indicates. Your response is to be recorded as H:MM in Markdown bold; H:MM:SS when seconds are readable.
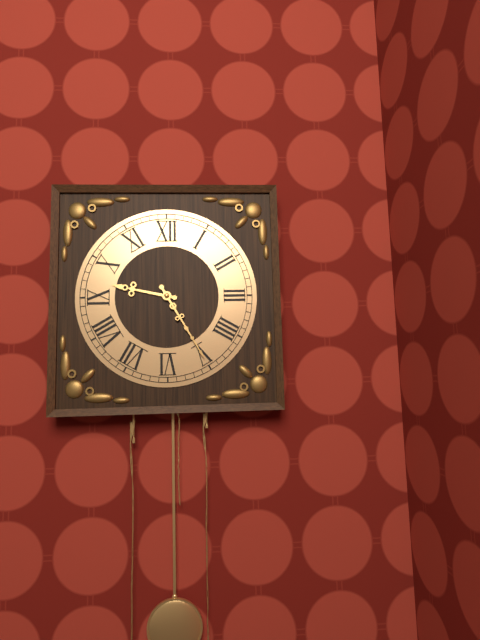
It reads **9:25**
